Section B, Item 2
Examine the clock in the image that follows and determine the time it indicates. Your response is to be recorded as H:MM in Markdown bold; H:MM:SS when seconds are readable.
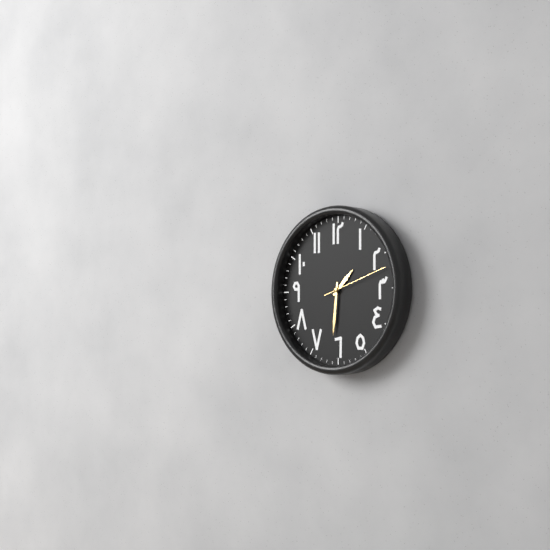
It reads **1:31:12**
